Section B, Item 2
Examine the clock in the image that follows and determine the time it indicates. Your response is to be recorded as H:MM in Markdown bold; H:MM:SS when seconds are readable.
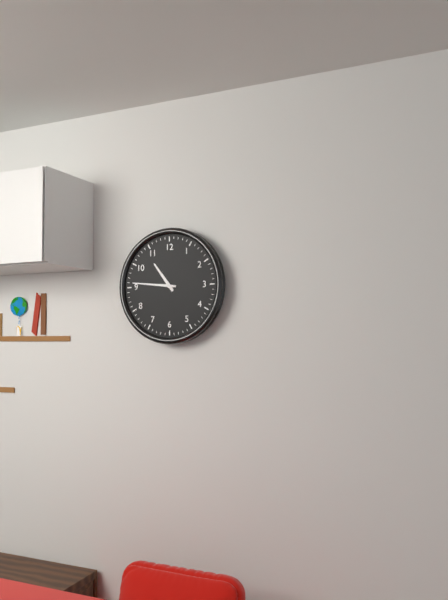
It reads **10:46**
